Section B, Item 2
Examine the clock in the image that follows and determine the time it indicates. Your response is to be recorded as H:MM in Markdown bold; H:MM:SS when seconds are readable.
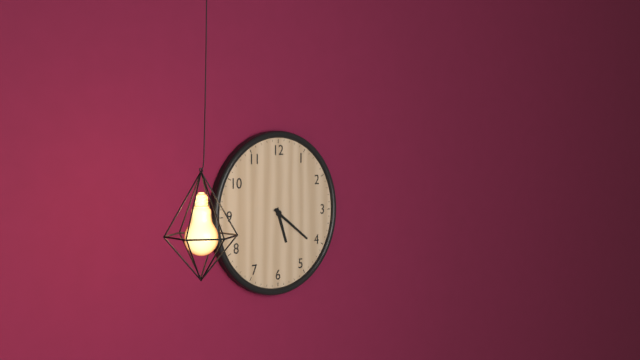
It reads **5:21**
